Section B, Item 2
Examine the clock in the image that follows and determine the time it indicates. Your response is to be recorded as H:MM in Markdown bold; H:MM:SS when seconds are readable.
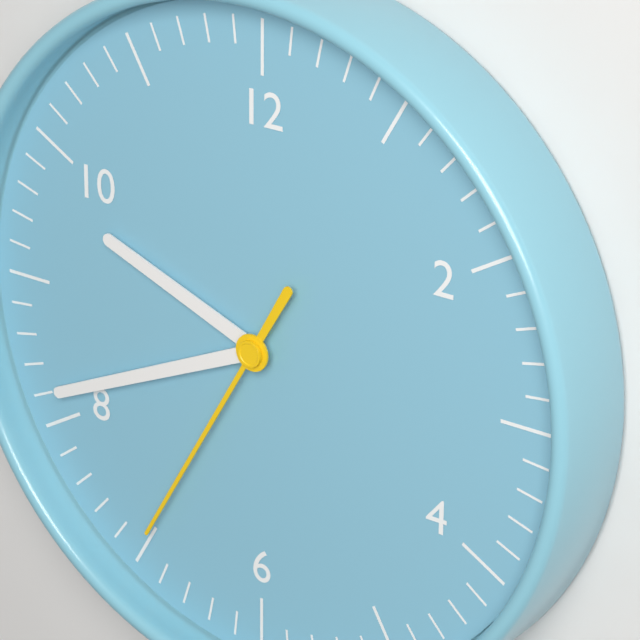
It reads **9:41:35**
